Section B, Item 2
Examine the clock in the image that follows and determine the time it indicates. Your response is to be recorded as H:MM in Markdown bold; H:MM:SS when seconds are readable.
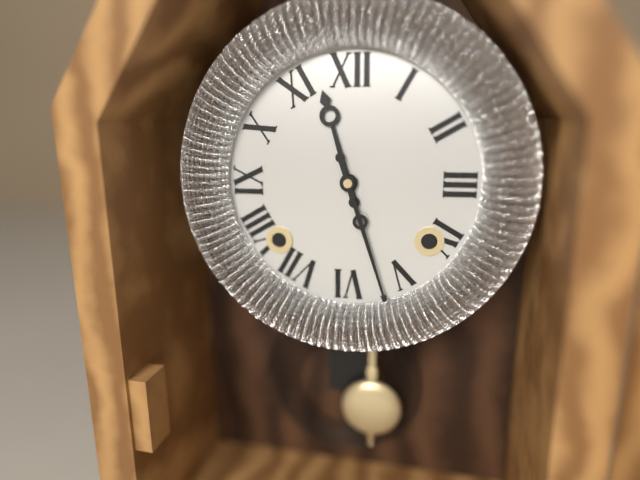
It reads **11:27**
